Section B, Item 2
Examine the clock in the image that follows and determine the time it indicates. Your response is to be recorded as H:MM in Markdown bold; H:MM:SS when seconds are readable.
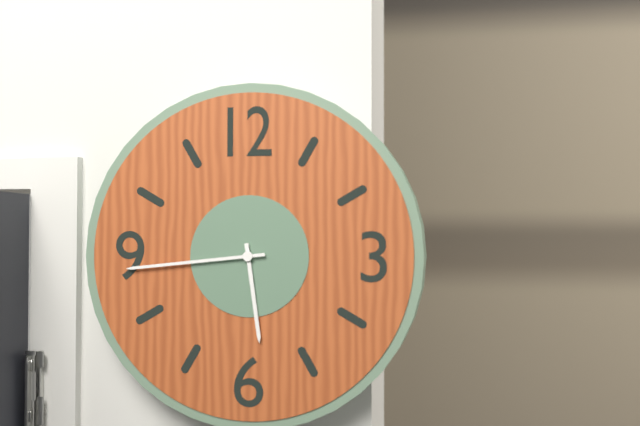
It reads **5:44**
